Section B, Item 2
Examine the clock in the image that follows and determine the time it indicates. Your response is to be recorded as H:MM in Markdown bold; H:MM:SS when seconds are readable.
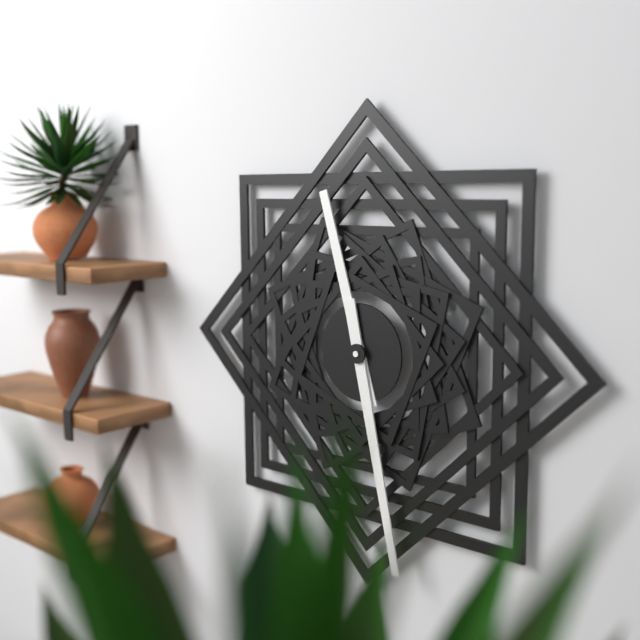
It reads **11:28**
